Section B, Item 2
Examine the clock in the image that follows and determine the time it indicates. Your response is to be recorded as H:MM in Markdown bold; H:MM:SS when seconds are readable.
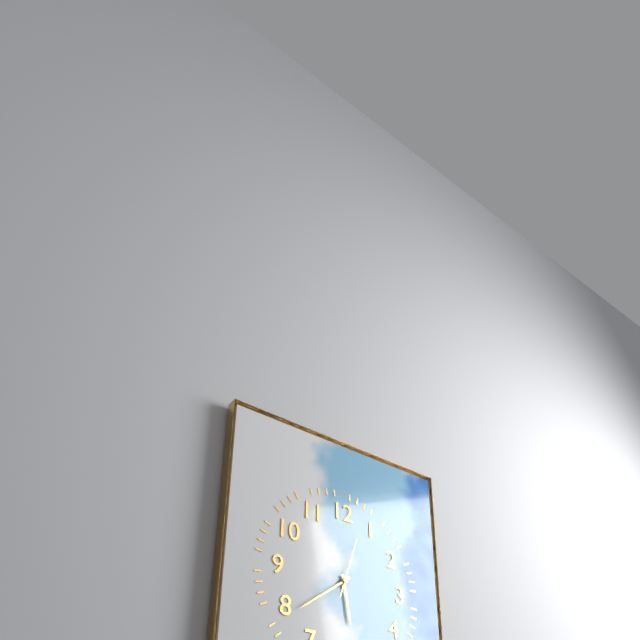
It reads **5:39:03**
